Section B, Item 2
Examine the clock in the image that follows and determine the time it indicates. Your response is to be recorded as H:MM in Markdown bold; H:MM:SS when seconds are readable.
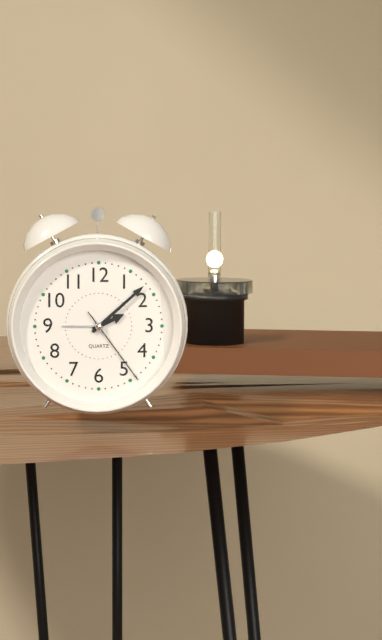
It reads **2:08:24**
